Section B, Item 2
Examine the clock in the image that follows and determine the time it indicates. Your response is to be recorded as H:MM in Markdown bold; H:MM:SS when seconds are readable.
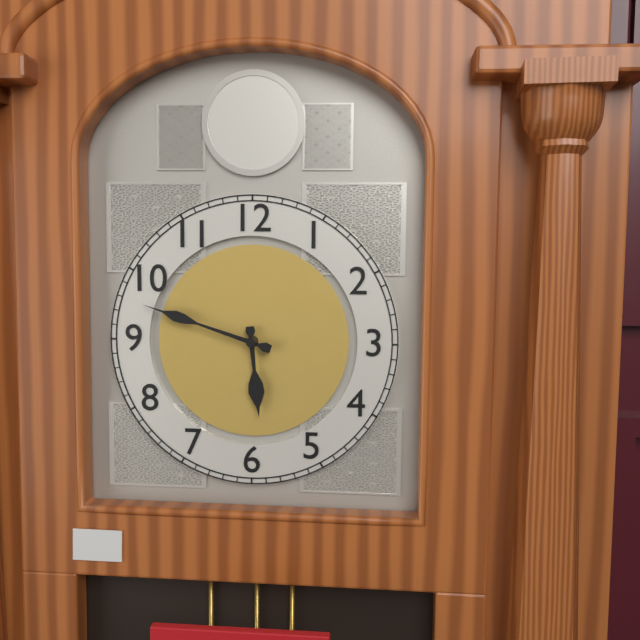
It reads **5:48**
